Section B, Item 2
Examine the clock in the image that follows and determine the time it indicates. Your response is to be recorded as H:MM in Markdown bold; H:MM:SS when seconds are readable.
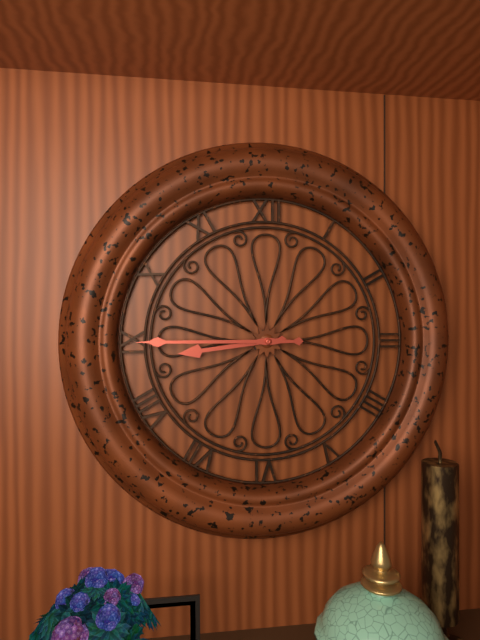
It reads **8:45**
